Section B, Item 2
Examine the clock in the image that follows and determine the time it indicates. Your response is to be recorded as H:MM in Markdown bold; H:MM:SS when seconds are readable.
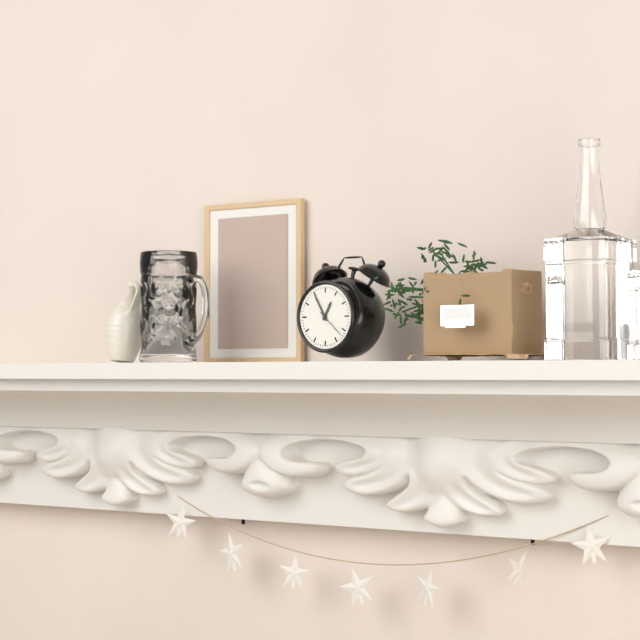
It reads **12:55**
